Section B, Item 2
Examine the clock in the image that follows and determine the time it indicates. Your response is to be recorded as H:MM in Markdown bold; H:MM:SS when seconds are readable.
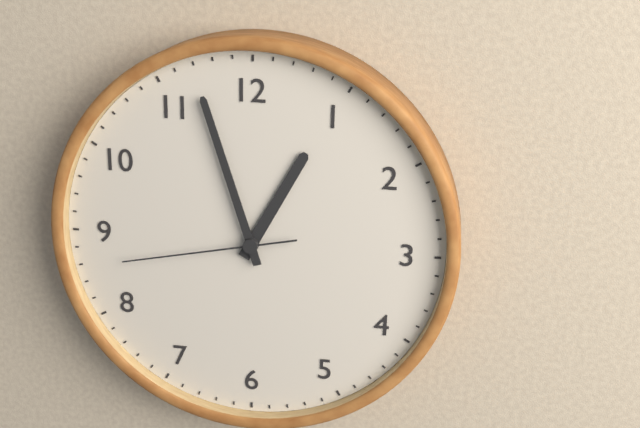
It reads **12:57:43**
